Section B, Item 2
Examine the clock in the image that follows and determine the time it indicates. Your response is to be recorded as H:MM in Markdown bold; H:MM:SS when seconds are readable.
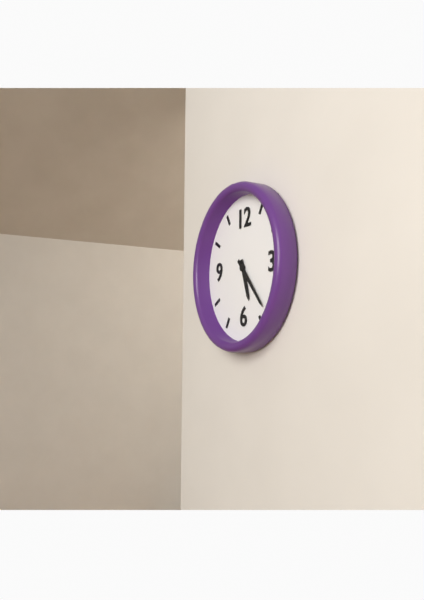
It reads **5:23**
